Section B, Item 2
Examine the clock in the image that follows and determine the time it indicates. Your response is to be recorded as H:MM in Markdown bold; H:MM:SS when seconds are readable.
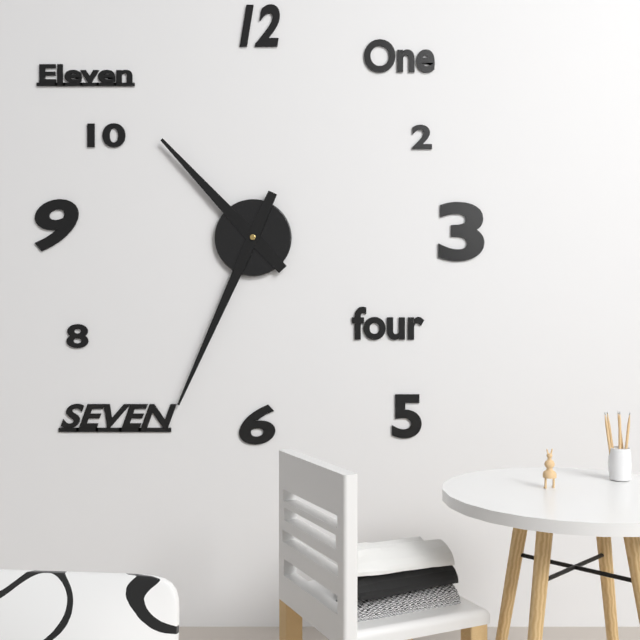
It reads **10:34**
